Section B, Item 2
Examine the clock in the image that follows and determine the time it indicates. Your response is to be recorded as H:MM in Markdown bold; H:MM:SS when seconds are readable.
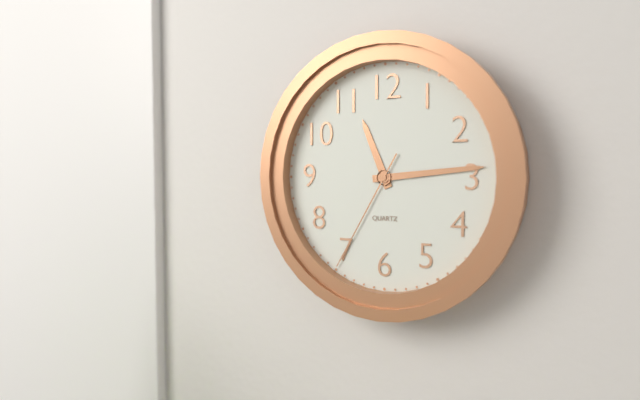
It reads **11:14:35**
